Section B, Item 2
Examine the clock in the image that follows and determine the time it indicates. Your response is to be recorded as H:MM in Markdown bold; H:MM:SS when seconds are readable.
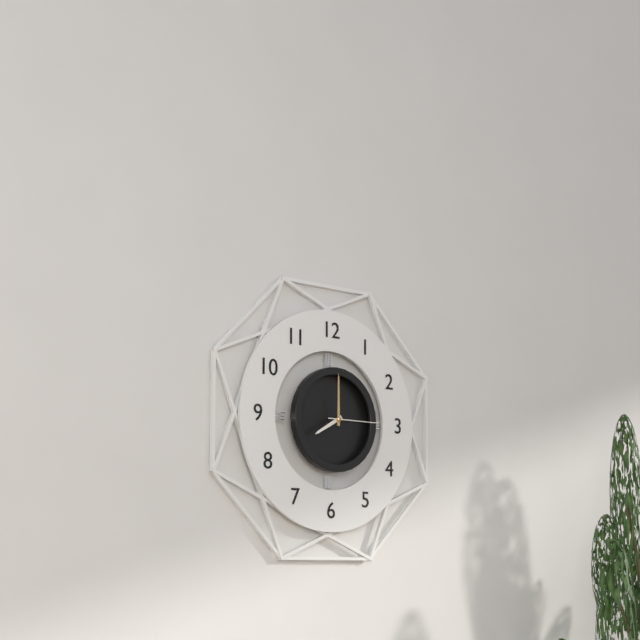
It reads **8:00:15**
